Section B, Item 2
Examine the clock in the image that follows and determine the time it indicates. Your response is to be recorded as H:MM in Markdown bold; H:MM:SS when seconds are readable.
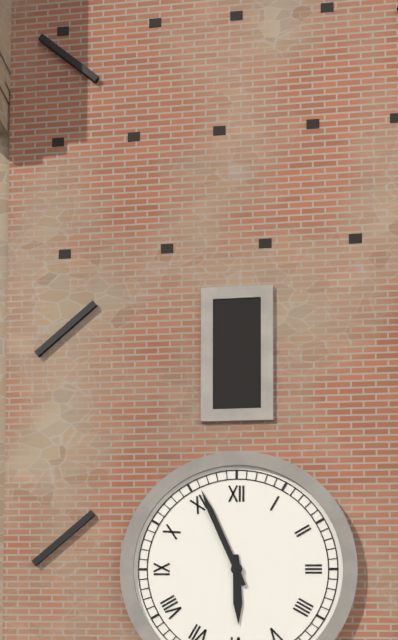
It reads **5:56**
